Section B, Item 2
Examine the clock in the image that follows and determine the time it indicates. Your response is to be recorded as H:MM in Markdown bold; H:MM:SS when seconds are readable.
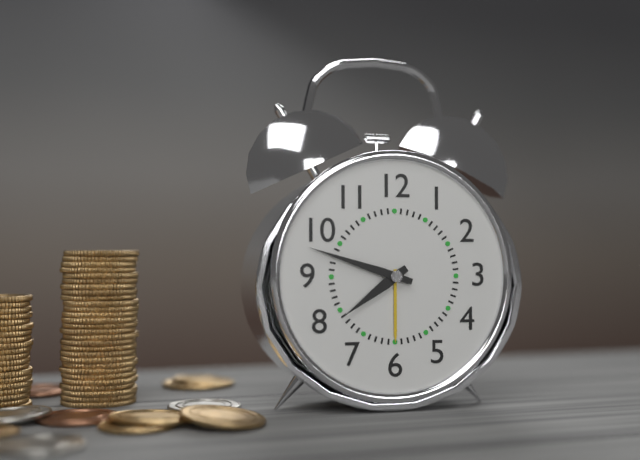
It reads **7:48**
